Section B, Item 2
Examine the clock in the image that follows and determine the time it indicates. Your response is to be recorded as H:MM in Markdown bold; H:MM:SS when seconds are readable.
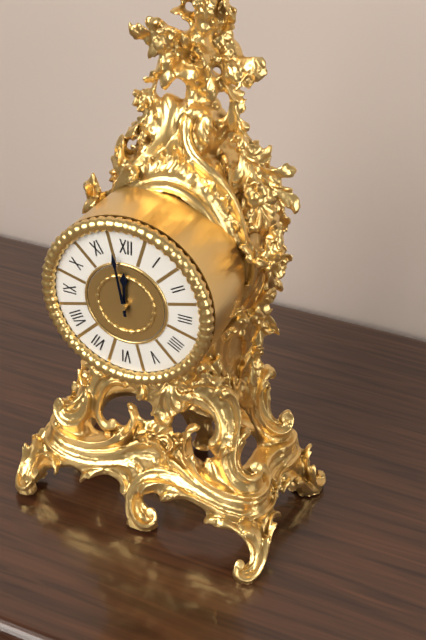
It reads **11:58**
